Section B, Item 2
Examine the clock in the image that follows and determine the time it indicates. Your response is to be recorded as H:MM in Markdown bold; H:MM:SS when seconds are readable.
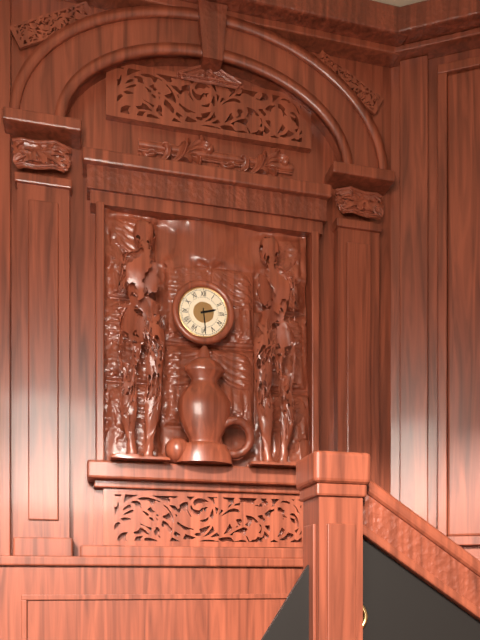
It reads **2:29**
